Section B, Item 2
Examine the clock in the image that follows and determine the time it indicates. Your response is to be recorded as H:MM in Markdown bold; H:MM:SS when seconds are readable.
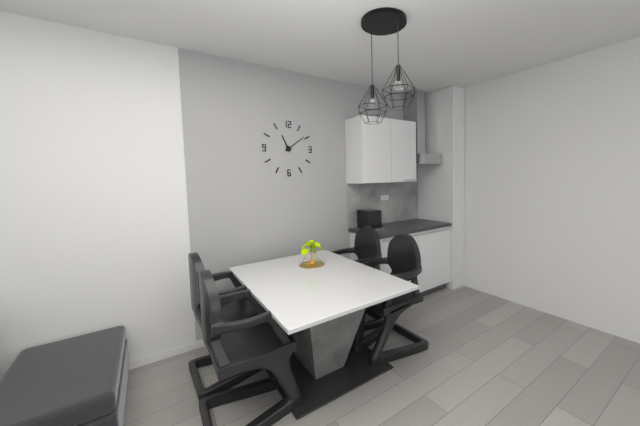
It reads **11:09**
